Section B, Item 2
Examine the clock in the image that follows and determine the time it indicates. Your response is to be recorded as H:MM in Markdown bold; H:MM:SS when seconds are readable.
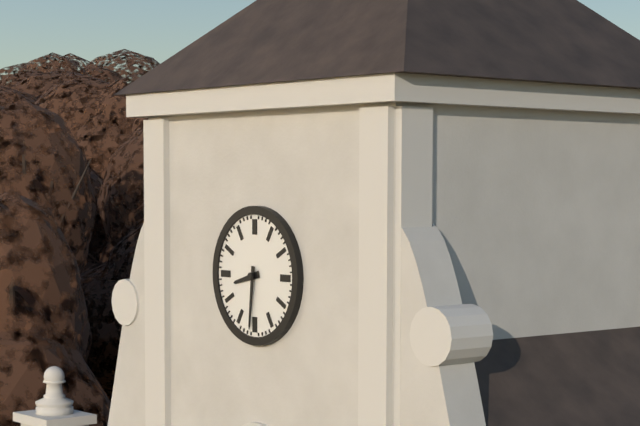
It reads **8:31**
